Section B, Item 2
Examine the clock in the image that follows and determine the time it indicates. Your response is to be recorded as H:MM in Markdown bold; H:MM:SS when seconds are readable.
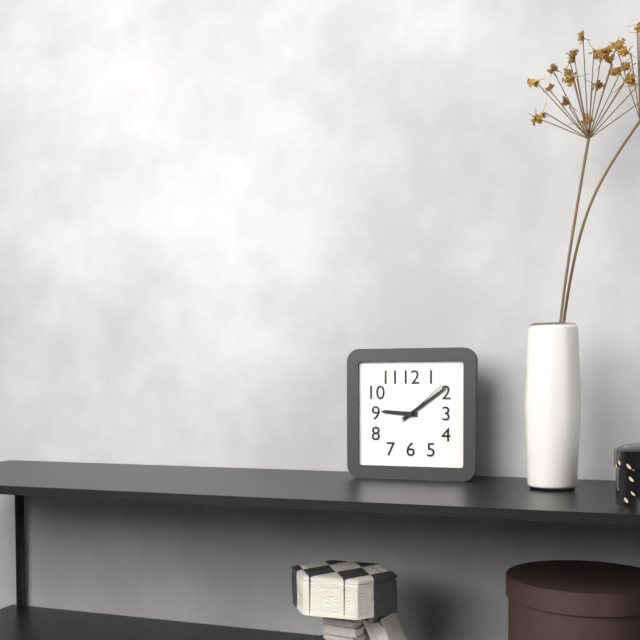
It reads **9:09:08**
